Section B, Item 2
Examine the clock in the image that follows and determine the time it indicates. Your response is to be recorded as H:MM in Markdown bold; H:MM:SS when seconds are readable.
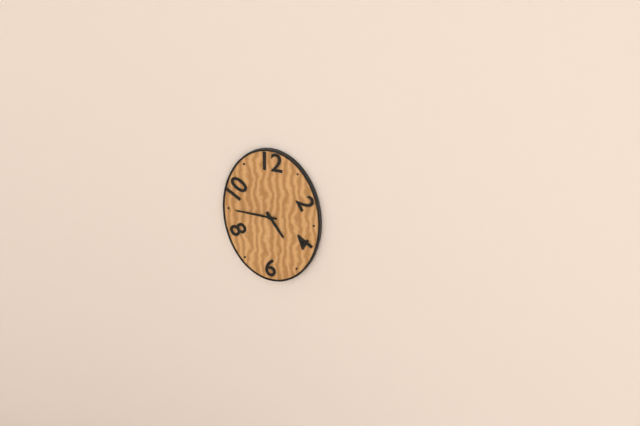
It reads **4:45**
